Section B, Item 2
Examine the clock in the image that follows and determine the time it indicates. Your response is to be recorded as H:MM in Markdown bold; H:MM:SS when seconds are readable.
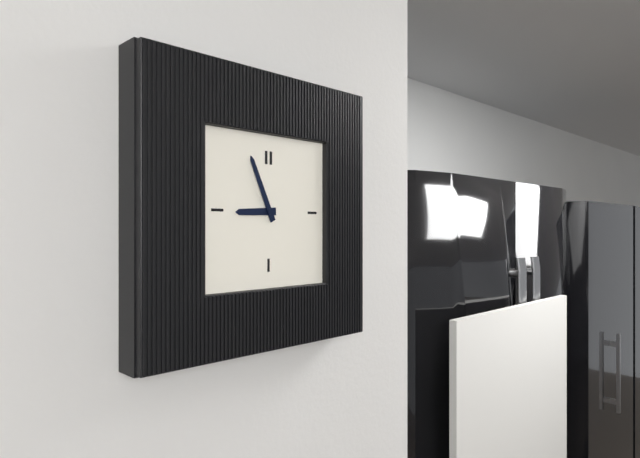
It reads **8:56**
